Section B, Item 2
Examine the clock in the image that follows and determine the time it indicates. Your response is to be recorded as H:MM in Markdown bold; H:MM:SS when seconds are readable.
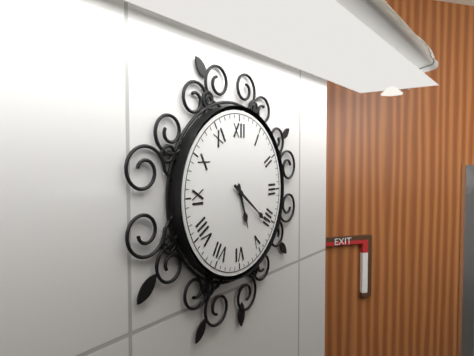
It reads **5:21**
